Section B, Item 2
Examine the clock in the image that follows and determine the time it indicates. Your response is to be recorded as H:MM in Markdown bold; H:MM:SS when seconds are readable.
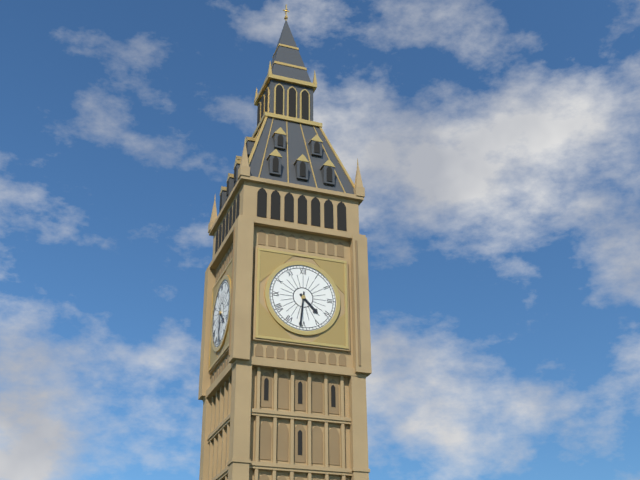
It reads **4:31**
